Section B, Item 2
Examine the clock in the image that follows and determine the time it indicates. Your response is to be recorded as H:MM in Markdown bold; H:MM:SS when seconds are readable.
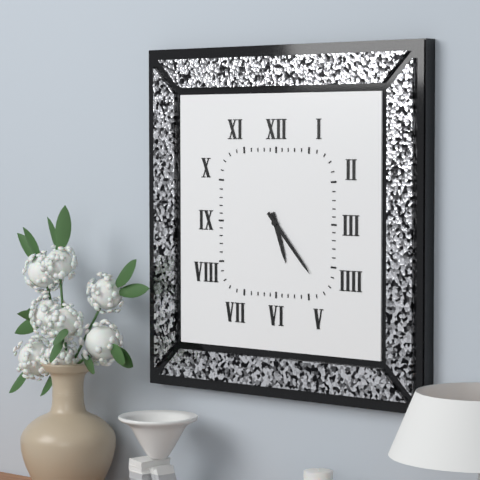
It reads **5:23**
